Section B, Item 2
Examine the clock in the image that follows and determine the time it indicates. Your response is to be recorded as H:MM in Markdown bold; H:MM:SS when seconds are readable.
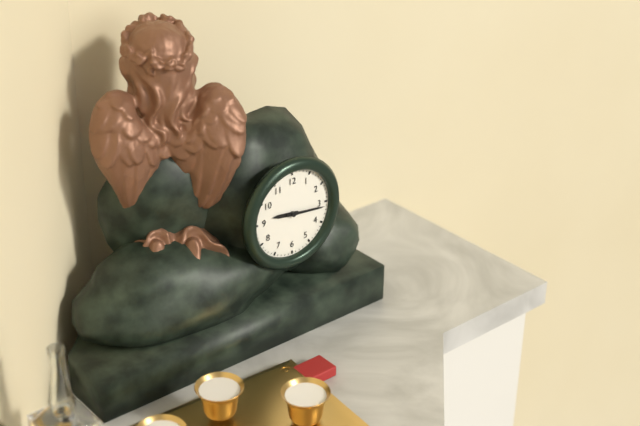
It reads **9:16**
